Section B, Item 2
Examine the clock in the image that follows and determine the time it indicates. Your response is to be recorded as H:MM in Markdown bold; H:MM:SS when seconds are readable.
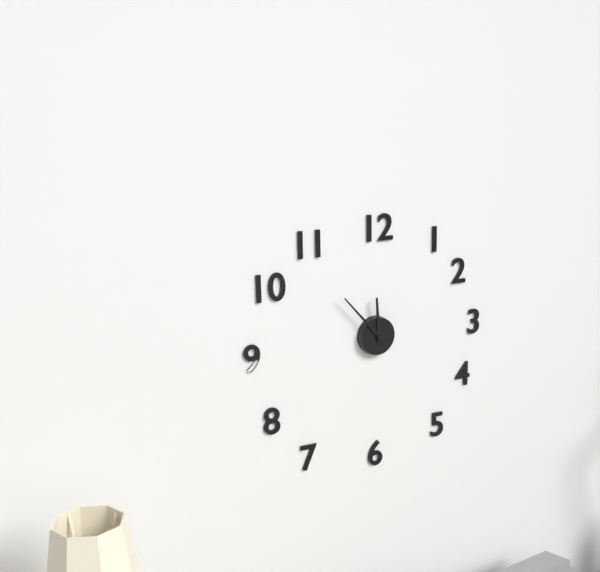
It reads **11:53**
